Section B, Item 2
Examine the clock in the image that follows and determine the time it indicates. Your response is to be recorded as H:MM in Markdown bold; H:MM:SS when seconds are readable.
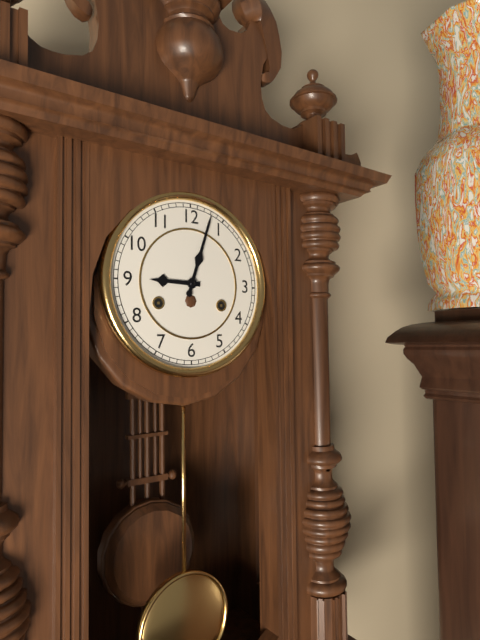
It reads **9:03**
